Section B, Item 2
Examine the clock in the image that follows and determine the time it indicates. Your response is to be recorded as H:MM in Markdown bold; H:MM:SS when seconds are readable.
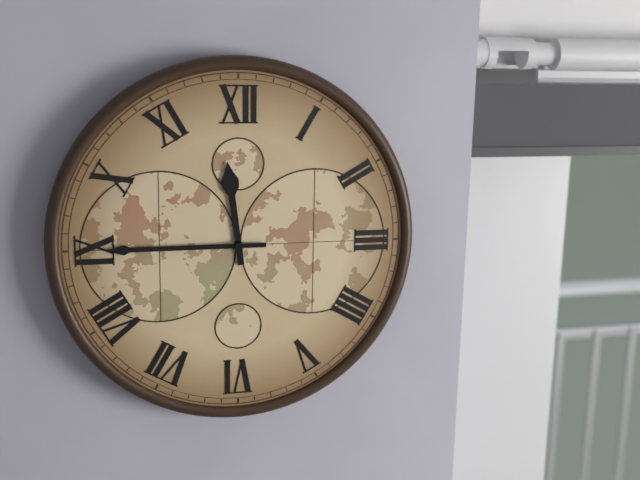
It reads **11:45**
